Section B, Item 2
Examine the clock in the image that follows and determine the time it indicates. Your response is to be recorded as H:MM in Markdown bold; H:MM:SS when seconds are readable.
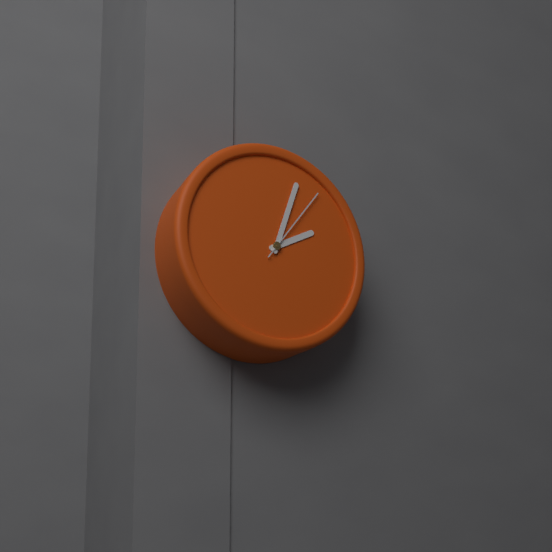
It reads **2:03:06**
